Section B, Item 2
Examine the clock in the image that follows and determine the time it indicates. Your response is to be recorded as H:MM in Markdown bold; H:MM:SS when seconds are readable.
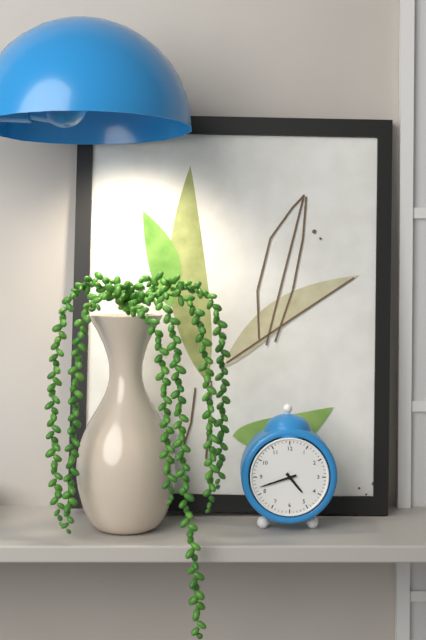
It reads **4:42**
